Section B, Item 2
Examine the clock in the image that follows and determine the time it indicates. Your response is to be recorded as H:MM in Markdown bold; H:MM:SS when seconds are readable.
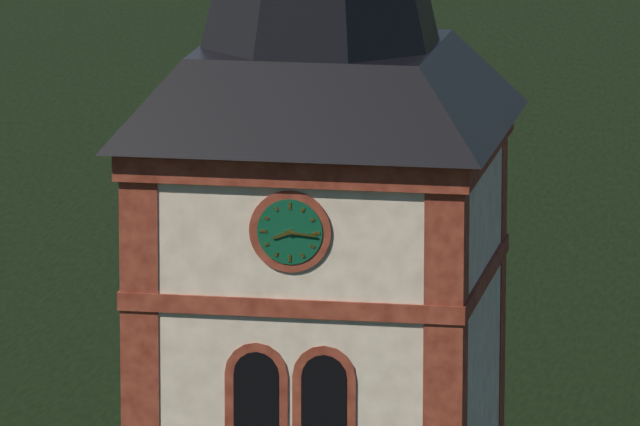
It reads **8:16**
